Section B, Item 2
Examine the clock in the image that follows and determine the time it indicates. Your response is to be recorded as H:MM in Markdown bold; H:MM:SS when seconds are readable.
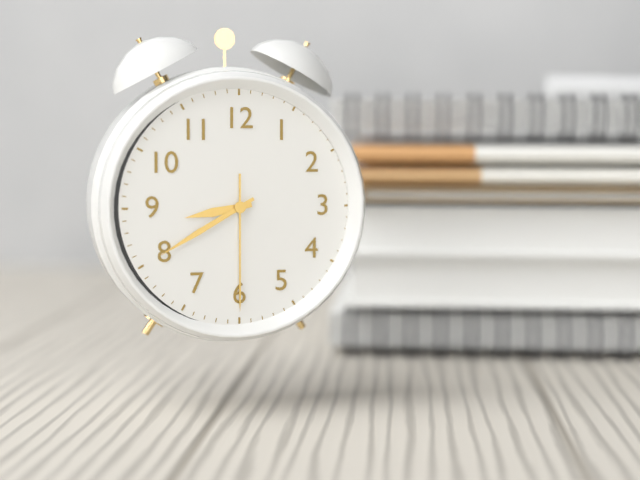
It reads **8:40:30**
